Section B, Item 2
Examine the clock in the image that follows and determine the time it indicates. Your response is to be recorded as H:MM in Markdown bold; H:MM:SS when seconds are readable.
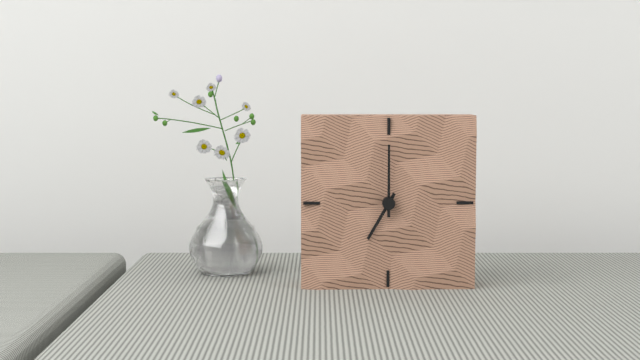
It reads **7:00**
